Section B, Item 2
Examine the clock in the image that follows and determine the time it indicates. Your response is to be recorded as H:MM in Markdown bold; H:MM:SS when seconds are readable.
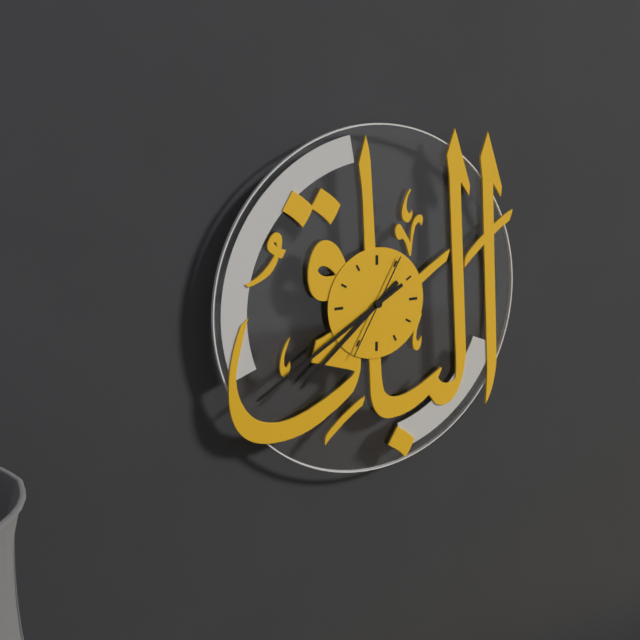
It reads **7:40:35**
